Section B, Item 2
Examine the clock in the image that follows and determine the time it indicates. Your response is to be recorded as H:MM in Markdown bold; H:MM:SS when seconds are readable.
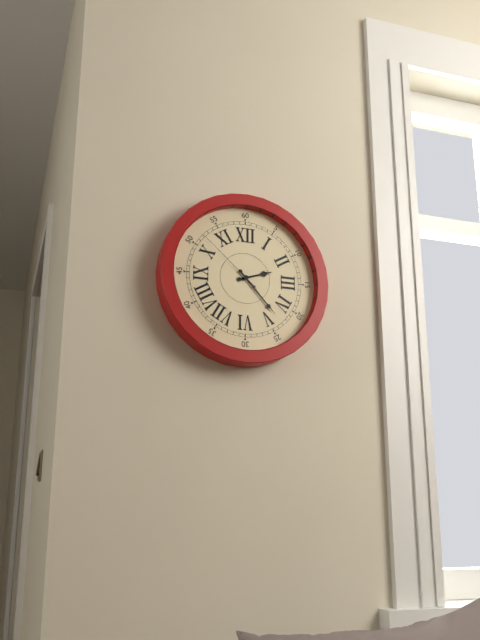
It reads **2:23:52**
